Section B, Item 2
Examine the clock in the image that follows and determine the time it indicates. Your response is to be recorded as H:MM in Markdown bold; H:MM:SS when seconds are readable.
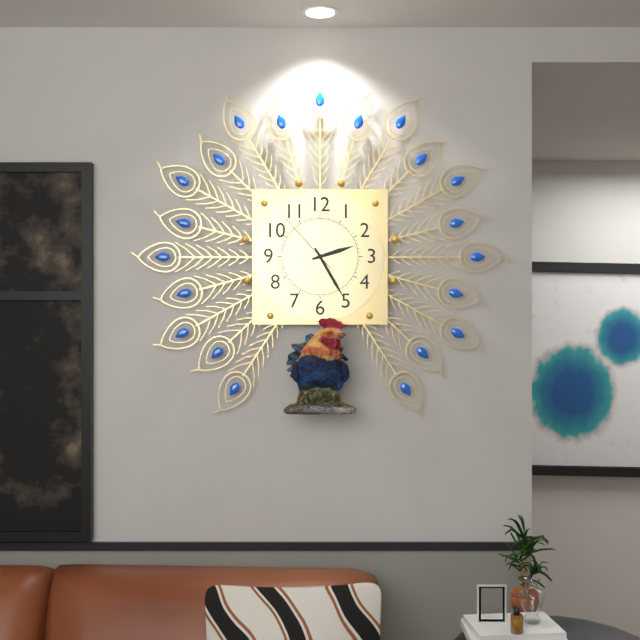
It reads **2:25:53**
